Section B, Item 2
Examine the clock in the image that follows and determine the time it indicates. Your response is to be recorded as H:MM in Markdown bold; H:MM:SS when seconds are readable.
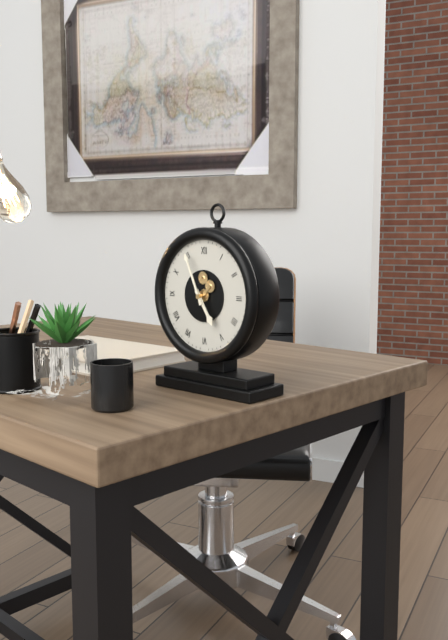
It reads **4:56**
